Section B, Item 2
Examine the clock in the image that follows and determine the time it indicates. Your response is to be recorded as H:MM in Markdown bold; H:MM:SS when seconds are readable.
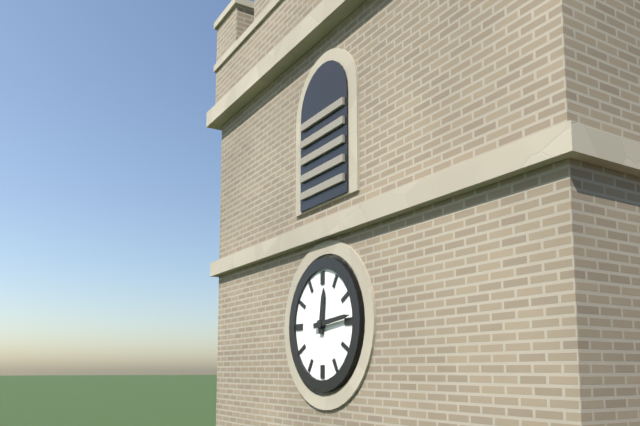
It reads **12:14**
